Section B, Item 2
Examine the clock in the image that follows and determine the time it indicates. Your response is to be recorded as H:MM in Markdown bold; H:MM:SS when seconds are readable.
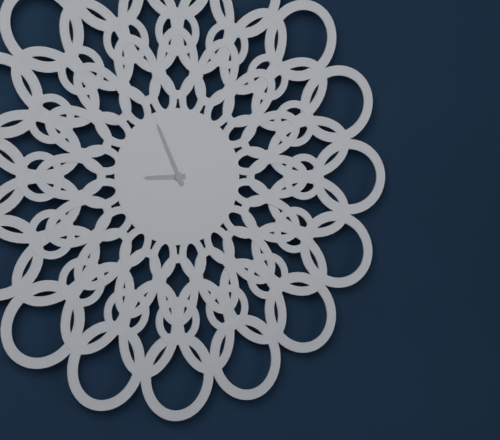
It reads **8:56**
